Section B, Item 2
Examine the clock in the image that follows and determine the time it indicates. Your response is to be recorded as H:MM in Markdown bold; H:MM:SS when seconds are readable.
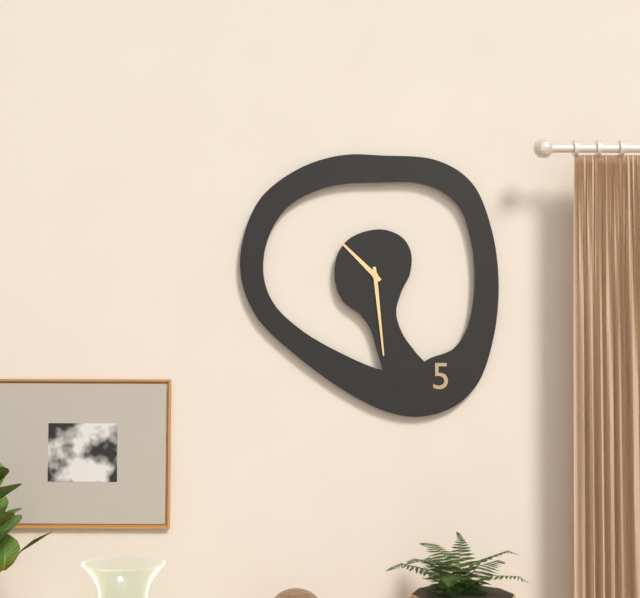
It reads **10:29**
